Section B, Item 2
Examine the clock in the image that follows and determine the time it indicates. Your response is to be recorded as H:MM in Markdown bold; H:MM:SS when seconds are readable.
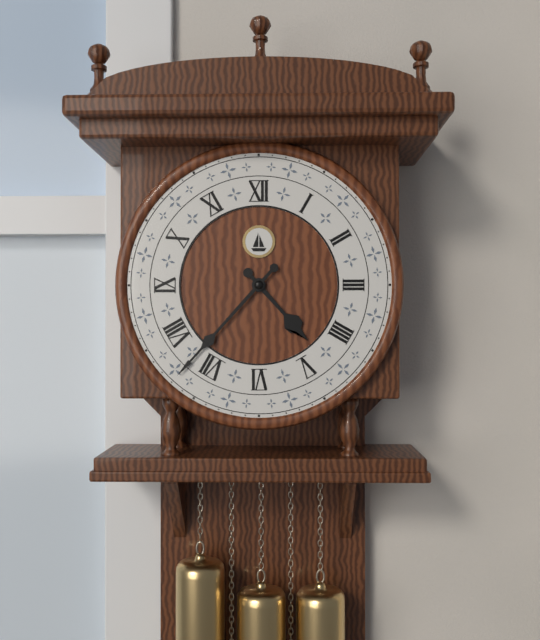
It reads **4:37**
